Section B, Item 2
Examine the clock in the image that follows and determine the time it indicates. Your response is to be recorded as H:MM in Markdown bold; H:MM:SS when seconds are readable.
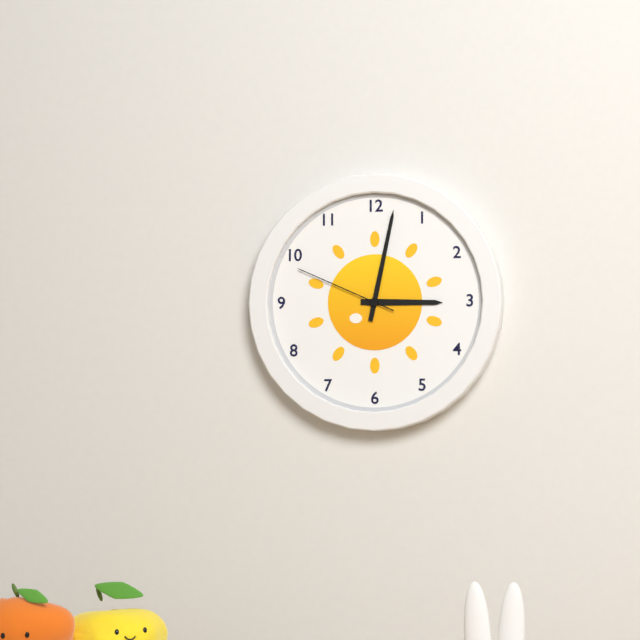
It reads **3:02:49**
